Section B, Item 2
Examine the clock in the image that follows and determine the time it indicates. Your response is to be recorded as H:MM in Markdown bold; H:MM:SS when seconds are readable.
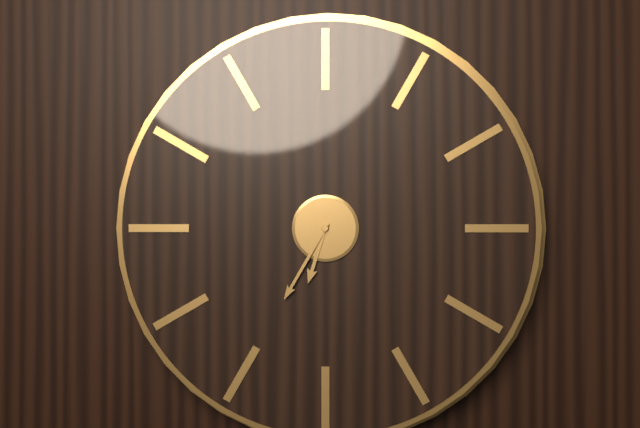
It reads **6:35**
